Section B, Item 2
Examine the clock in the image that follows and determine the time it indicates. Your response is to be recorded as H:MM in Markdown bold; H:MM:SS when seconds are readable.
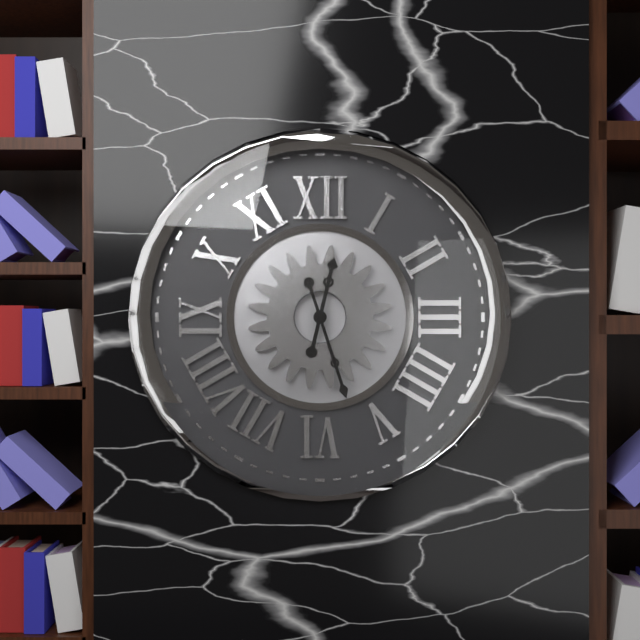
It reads **12:27**
